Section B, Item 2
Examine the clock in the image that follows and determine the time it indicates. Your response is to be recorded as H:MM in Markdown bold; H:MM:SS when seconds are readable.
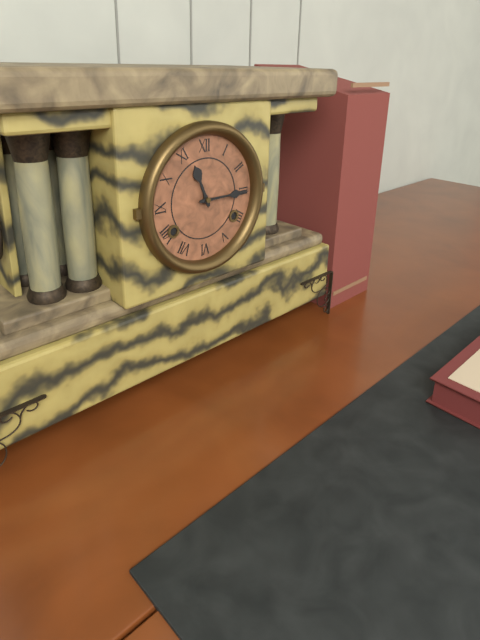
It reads **11:15**
